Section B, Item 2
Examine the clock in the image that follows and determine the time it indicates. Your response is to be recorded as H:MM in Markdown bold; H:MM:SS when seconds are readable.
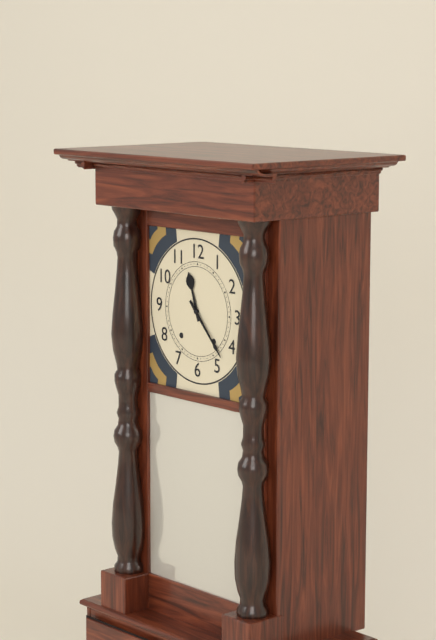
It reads **11:23**
